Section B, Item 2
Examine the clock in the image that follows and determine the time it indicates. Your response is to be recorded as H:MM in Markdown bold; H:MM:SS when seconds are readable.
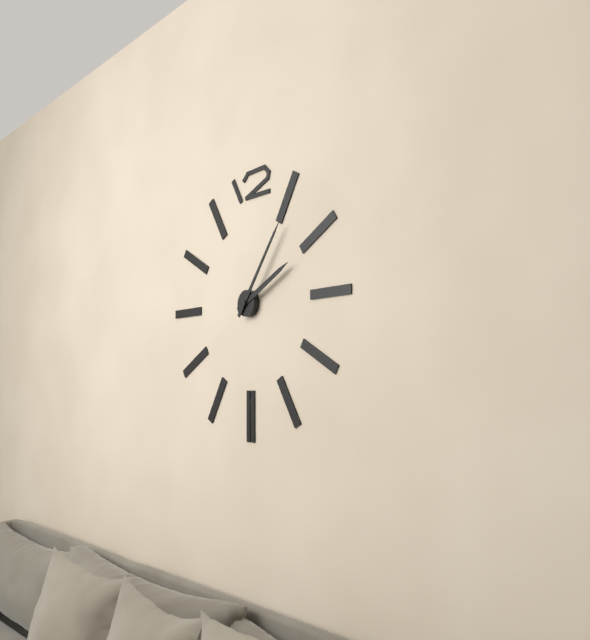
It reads **2:06**
